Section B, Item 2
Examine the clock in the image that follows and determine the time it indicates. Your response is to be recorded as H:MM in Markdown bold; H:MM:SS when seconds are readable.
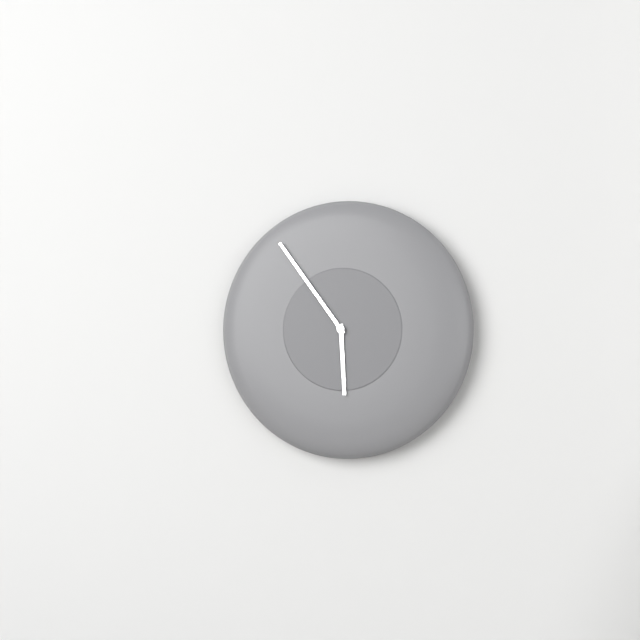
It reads **5:54**
